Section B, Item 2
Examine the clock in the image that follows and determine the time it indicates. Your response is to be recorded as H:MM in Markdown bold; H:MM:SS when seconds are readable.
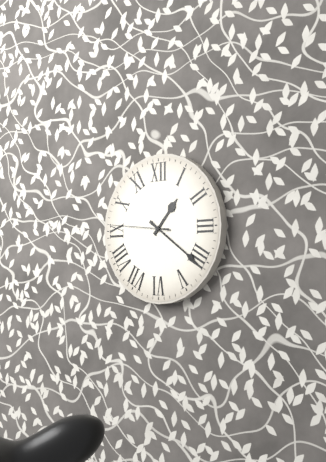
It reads **1:21:46**
